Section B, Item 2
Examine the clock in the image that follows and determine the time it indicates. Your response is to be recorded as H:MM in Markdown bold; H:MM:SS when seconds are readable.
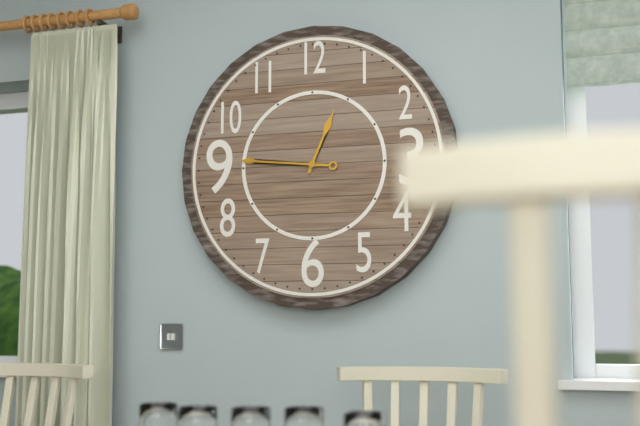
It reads **12:46**
